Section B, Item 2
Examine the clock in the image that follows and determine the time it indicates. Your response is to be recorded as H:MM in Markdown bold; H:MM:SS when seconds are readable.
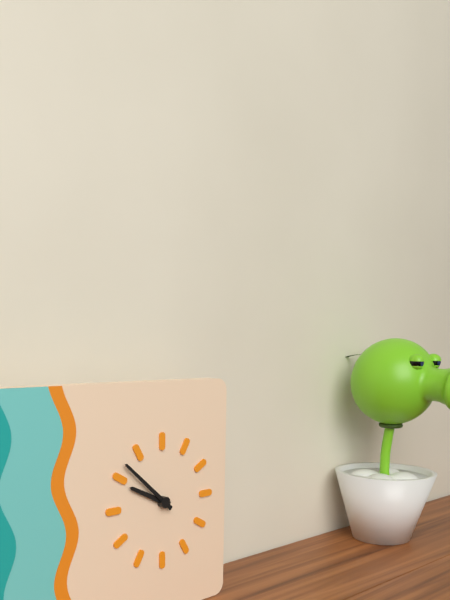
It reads **9:52**
